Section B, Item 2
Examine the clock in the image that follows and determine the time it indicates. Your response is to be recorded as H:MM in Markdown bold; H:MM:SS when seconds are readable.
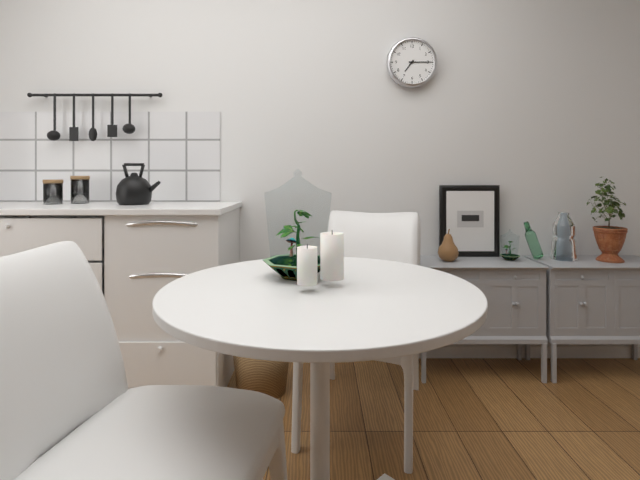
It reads **7:15**
